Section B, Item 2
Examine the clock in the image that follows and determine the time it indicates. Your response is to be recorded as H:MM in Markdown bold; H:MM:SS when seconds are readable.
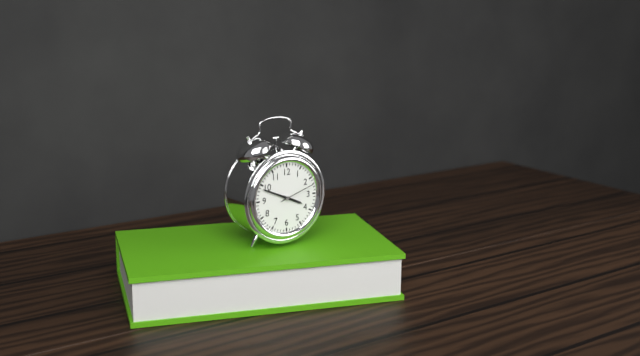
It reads **3:49**
